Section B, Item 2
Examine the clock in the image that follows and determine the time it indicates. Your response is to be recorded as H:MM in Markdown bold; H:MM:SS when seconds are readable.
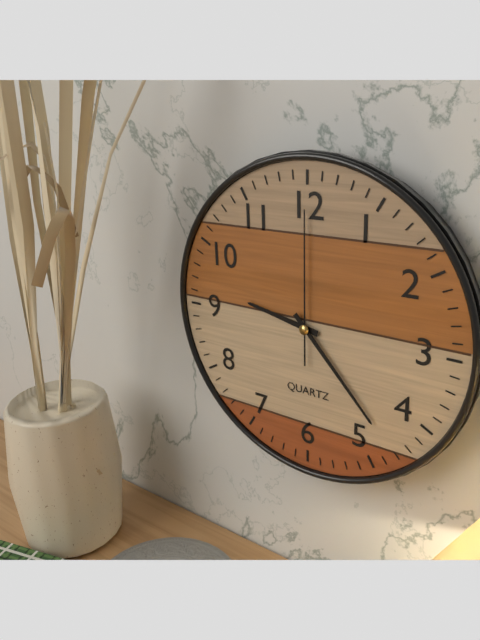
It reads **9:23:00**
